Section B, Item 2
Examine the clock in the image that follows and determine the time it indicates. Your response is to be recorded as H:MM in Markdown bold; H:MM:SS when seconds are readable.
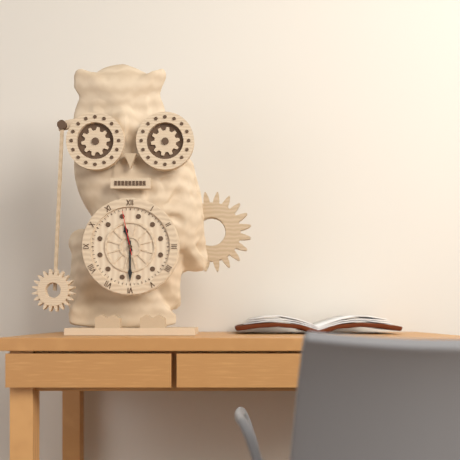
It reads **11:30**
